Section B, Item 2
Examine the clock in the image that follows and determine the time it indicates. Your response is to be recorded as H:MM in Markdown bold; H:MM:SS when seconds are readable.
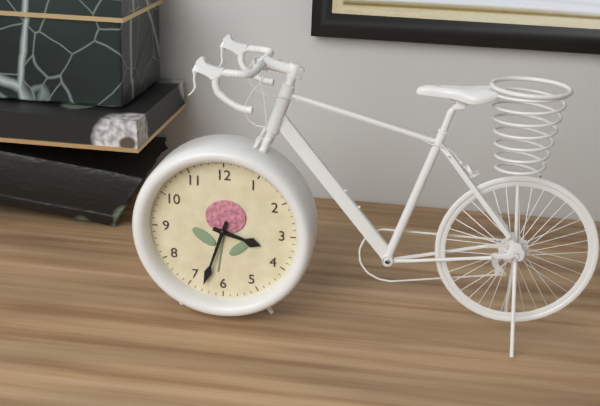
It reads **3:33**
